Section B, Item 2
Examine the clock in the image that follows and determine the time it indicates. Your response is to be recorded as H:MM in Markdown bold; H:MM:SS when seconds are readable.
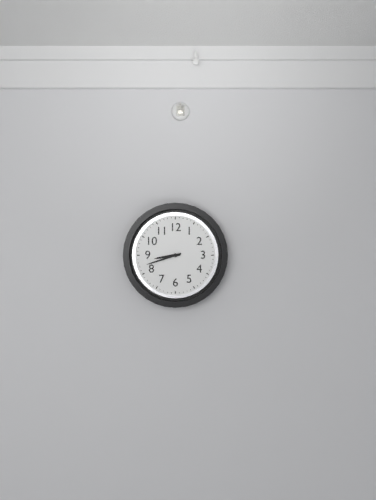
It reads **8:42**
